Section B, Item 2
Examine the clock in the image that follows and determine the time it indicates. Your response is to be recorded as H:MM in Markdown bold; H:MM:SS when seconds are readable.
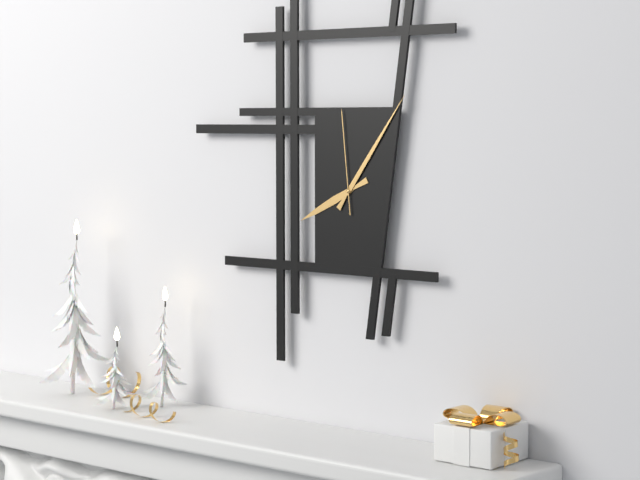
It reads **8:06:59**
